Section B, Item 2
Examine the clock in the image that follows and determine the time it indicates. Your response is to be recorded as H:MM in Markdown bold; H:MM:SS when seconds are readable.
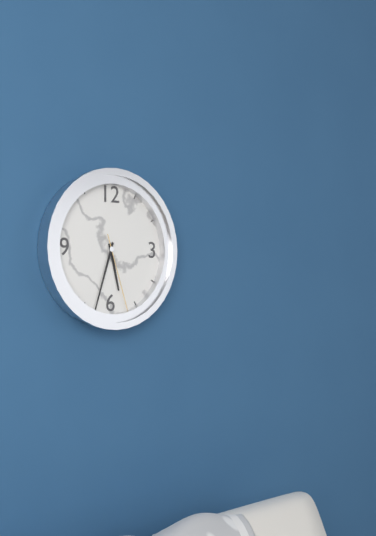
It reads **5:33:27**
